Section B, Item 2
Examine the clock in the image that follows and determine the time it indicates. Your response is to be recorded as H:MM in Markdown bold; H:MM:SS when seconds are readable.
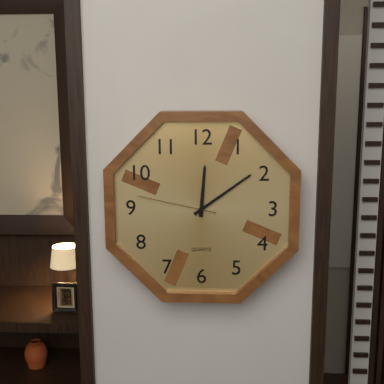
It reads **12:09:47**
